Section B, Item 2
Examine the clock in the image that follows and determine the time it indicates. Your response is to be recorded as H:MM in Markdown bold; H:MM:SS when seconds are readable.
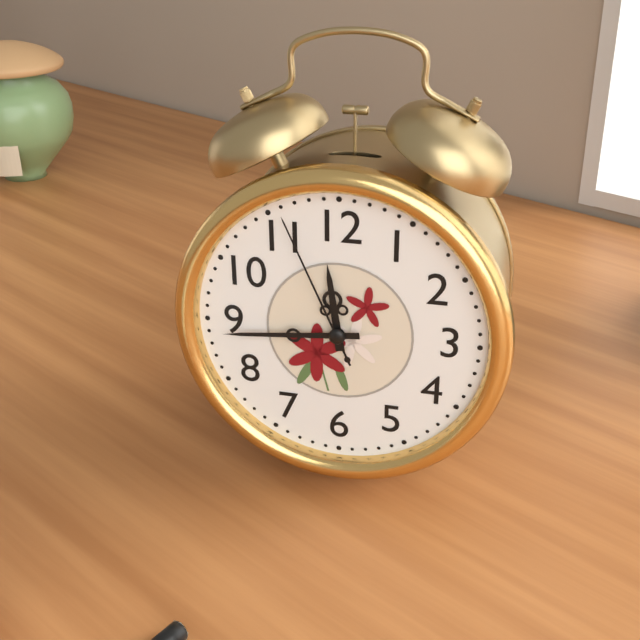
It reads **11:44:56**
